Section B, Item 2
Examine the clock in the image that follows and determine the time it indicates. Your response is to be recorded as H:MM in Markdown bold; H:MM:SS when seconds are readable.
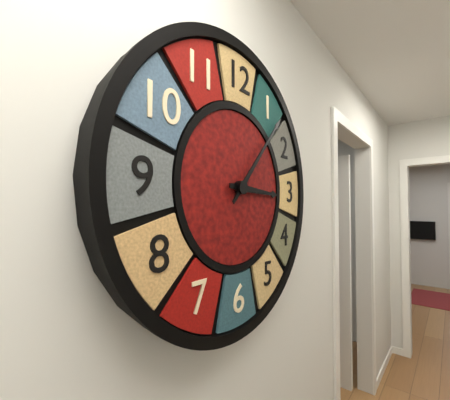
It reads **3:07**
